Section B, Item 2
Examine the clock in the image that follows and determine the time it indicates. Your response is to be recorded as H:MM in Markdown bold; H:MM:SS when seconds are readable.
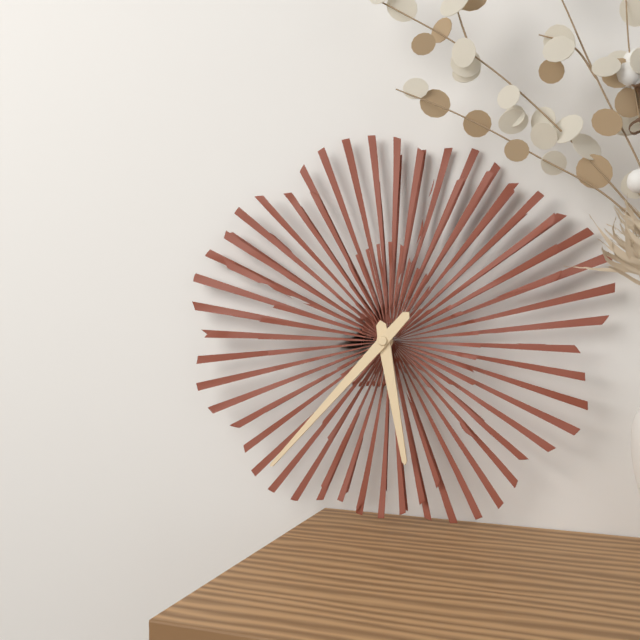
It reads **5:37**
